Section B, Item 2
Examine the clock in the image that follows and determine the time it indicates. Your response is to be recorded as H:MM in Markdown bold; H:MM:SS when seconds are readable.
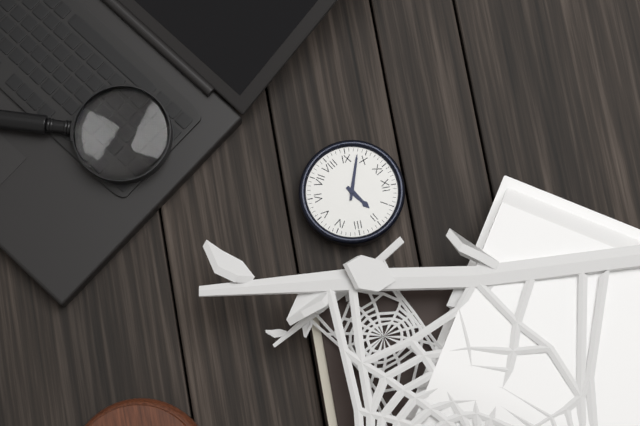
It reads **1:48**
